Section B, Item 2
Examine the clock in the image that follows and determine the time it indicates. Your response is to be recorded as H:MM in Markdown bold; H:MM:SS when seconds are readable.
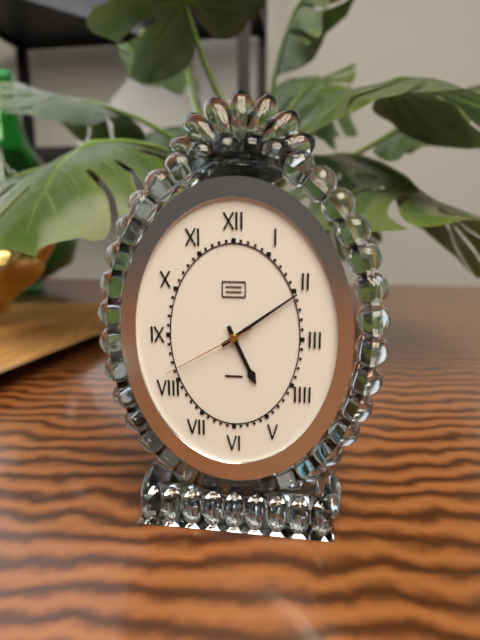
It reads **5:09:40**
